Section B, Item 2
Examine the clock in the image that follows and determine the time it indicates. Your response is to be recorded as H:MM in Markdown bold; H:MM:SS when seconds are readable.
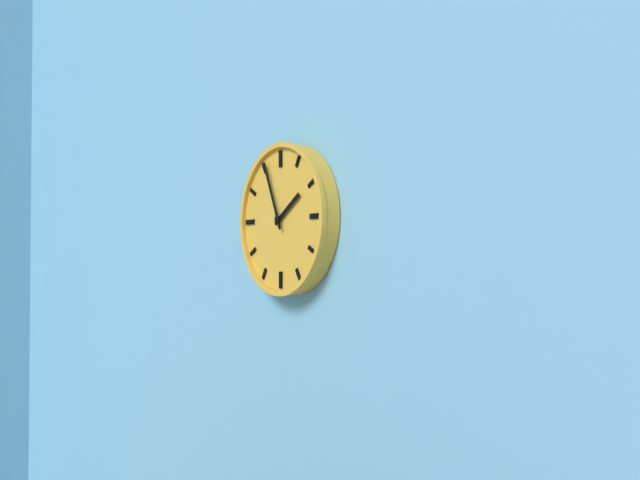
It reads **1:56**
